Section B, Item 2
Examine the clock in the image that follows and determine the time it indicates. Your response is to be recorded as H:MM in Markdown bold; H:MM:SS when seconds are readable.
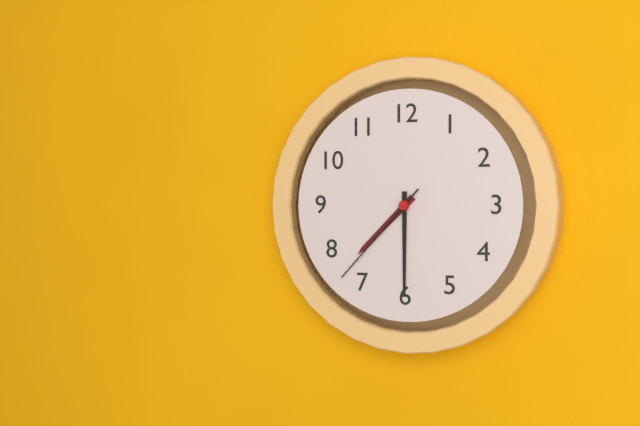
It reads **7:30:37**
